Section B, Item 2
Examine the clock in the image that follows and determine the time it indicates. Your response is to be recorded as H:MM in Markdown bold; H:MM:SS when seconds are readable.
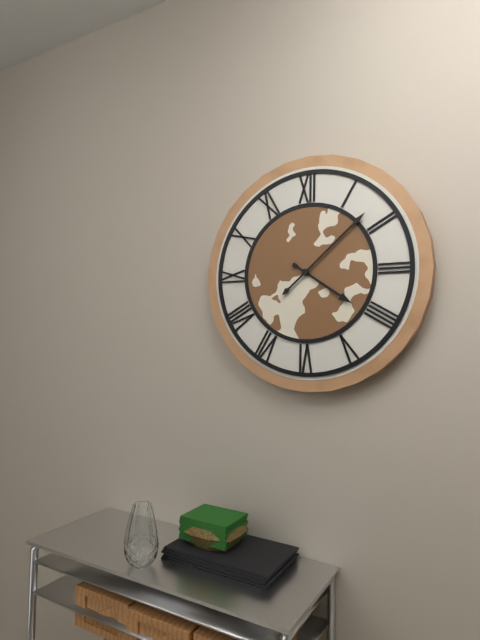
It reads **4:08**
